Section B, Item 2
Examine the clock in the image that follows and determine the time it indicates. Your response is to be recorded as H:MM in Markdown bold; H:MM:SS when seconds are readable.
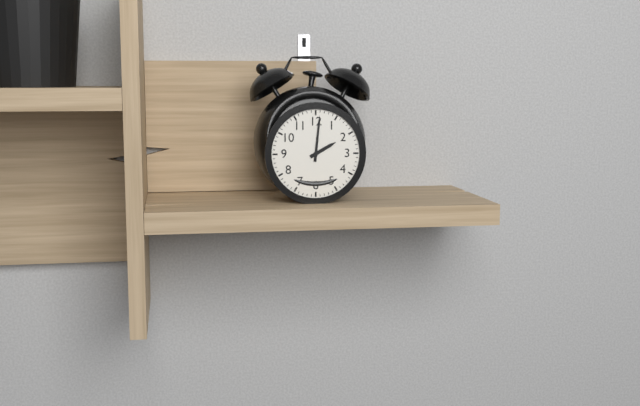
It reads **2:01**
